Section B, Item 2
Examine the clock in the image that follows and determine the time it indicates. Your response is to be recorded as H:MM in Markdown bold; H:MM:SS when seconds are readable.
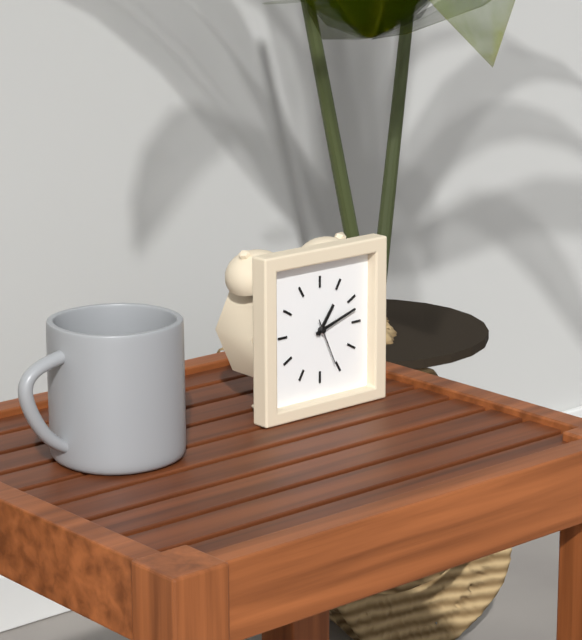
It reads **1:12**
